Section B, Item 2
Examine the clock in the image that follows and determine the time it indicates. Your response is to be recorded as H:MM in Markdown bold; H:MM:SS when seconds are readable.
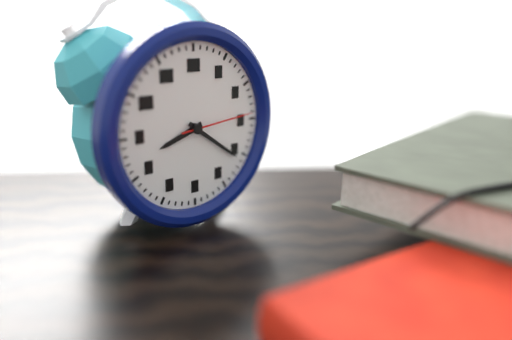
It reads **8:21:14**
